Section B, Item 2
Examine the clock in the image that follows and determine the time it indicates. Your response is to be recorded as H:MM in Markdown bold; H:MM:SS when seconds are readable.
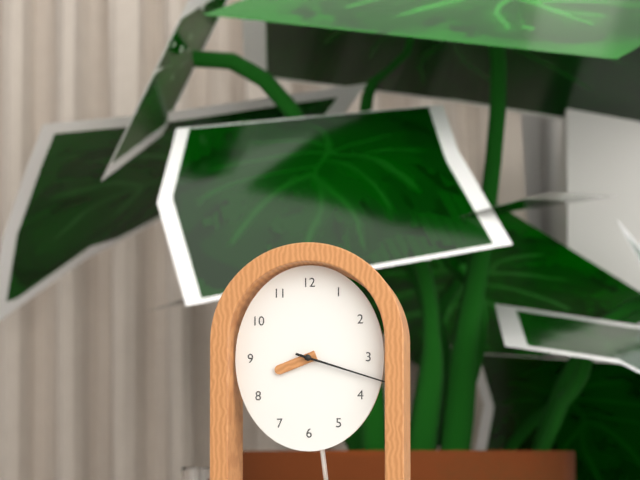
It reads **8:18**
